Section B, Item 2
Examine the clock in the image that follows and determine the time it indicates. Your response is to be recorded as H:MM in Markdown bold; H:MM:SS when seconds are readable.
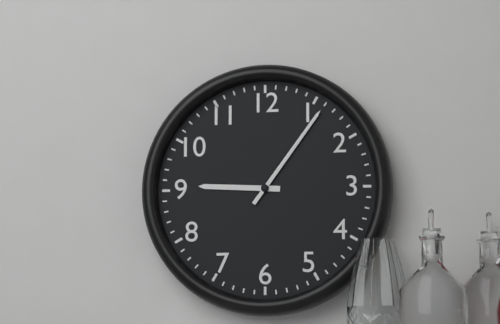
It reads **9:06**
